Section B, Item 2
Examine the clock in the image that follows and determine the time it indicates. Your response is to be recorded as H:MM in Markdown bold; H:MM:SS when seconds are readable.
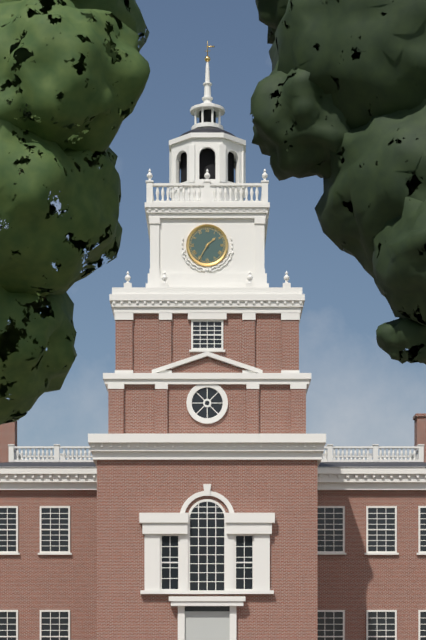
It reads **1:35**
